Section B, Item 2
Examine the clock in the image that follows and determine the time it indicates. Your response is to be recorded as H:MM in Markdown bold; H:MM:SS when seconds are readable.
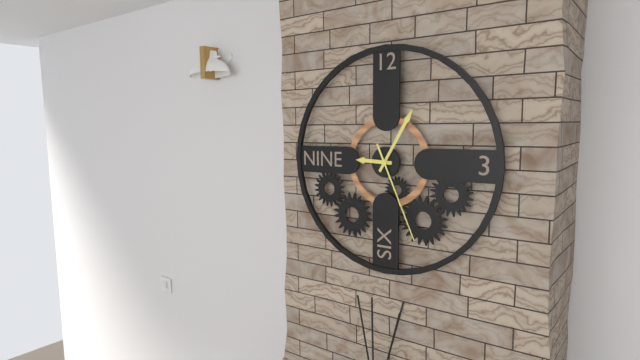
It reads **9:05:26**
